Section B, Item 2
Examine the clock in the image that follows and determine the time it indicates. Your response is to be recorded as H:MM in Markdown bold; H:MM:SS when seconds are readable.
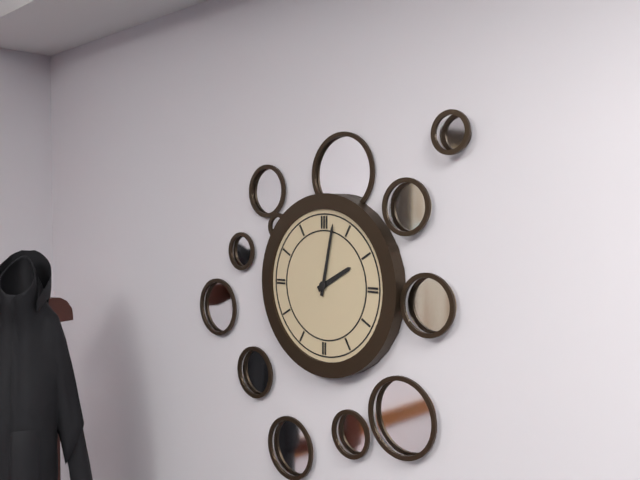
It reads **2:02**
